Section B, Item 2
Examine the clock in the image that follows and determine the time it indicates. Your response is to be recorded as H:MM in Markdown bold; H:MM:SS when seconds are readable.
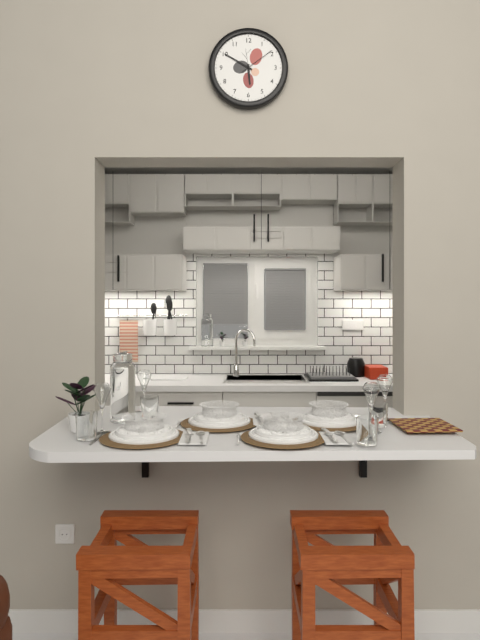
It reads **5:50**
